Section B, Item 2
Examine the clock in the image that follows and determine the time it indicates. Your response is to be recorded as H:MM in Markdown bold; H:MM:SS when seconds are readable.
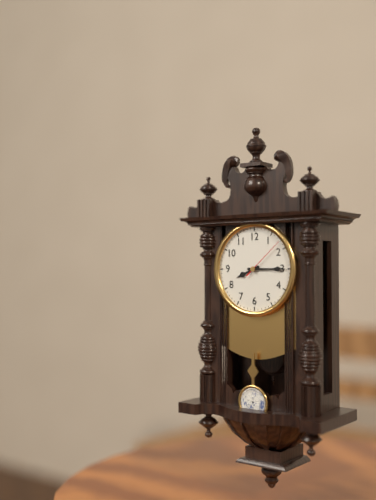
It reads **8:15**
